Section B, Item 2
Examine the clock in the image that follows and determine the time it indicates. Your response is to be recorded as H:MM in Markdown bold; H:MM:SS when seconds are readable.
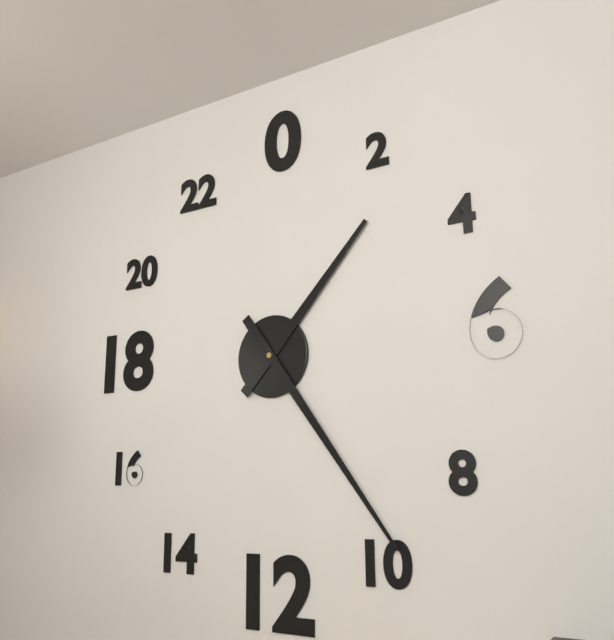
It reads **1:24**
